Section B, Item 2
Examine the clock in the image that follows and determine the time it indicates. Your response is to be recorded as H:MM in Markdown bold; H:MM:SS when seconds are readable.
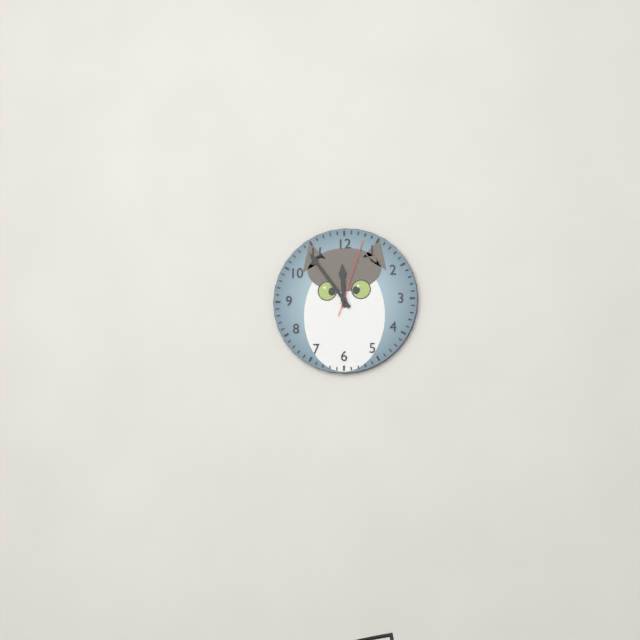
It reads **11:54:03**
